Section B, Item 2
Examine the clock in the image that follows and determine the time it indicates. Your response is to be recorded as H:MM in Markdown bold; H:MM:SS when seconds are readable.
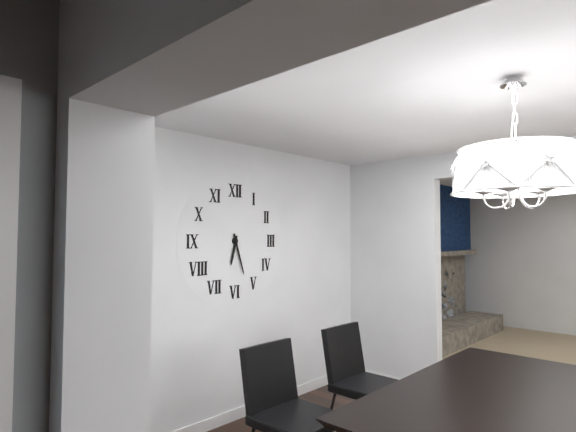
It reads **6:27**
